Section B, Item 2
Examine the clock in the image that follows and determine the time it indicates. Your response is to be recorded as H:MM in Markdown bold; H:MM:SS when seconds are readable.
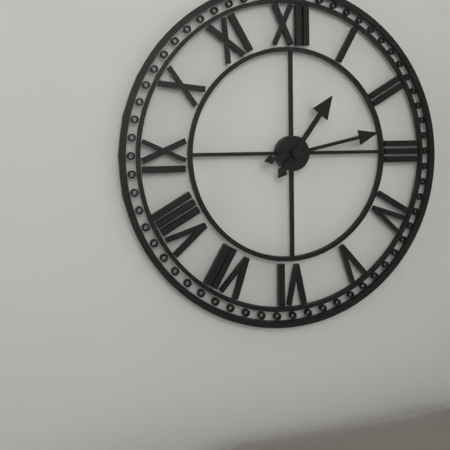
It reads **1:13**
